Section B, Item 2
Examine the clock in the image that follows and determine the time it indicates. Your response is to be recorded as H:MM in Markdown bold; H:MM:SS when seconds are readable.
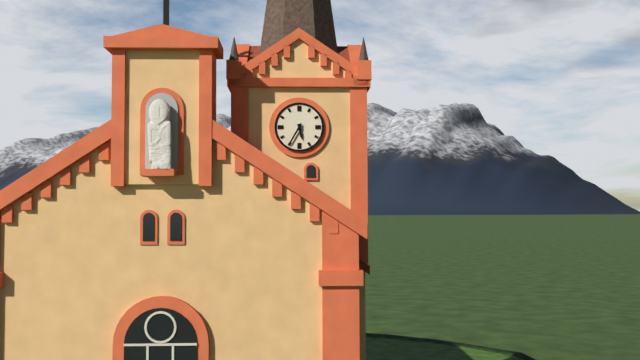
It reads **5:35**
